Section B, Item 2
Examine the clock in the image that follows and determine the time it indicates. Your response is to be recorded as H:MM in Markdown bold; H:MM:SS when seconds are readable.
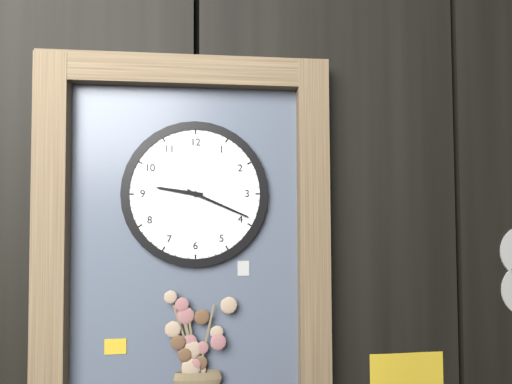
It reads **9:19**
